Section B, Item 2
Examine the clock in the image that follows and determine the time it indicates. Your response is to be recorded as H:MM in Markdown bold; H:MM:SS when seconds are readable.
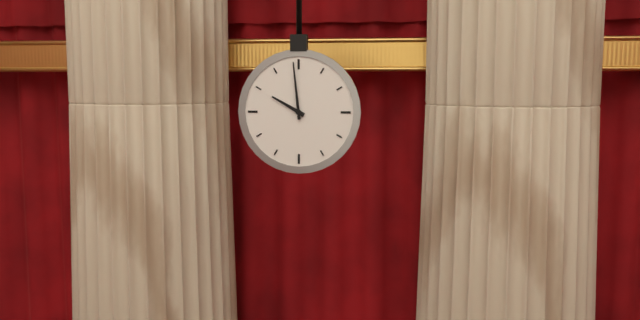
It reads **9:59**
